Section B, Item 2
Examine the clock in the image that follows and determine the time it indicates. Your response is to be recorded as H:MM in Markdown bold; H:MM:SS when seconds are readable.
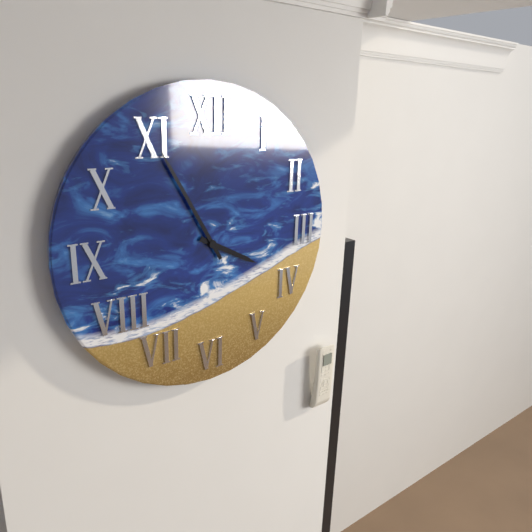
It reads **3:55**
